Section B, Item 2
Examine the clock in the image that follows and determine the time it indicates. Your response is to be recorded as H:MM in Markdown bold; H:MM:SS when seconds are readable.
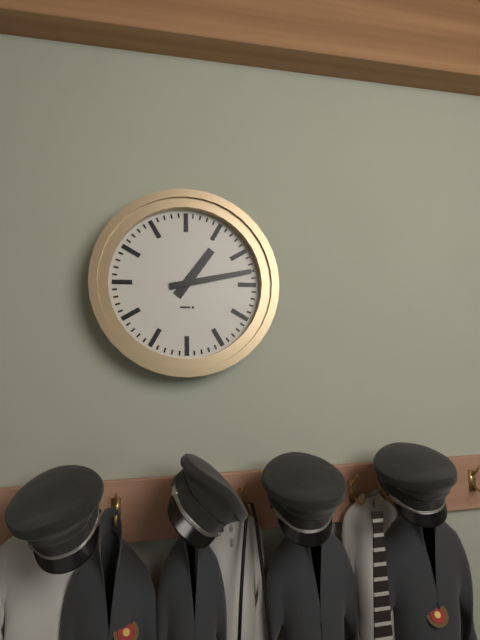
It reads **1:13**
